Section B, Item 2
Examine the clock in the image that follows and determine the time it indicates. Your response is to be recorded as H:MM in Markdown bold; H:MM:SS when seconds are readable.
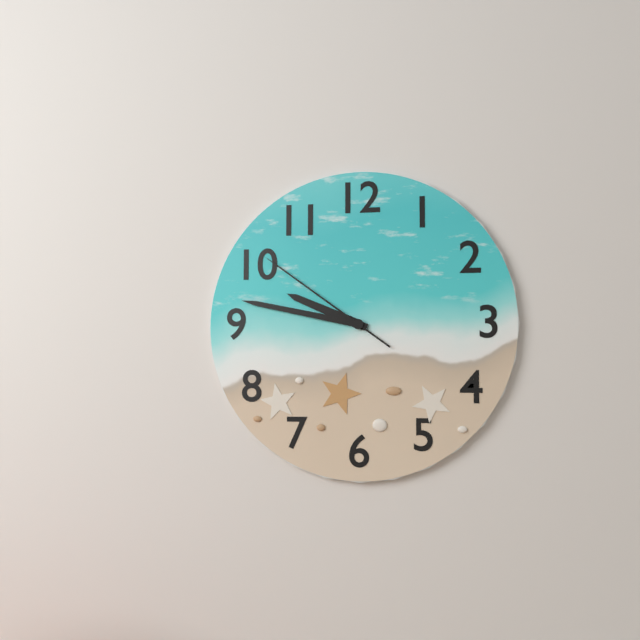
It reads **9:47:51**
